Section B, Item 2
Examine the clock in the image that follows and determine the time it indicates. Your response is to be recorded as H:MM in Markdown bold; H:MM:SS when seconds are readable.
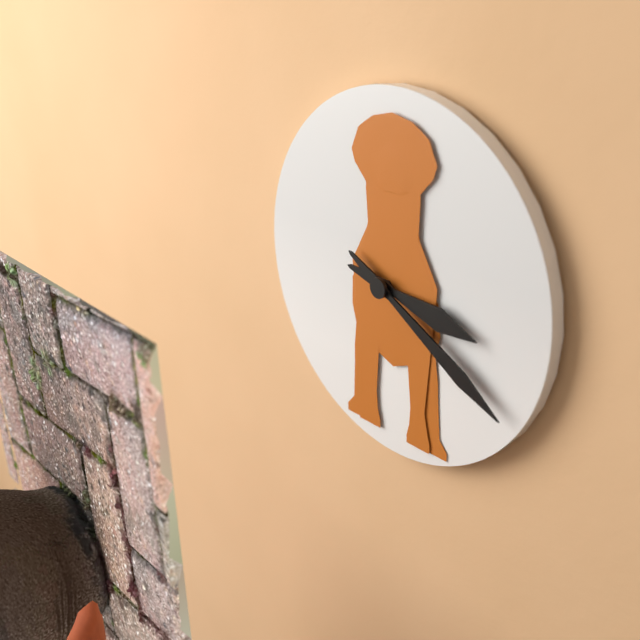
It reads **3:20**
